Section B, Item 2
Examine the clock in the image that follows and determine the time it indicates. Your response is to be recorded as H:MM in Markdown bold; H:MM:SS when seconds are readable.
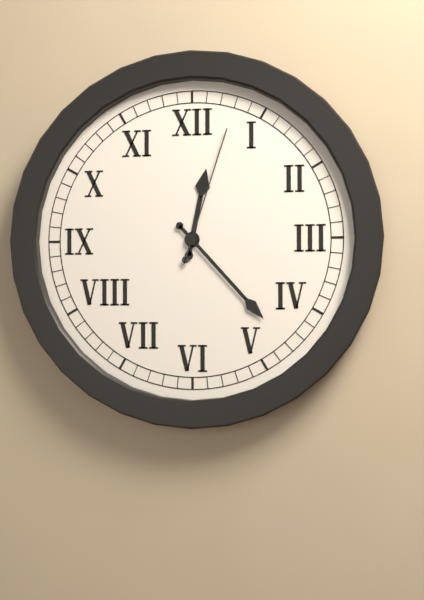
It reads **12:23:03**
